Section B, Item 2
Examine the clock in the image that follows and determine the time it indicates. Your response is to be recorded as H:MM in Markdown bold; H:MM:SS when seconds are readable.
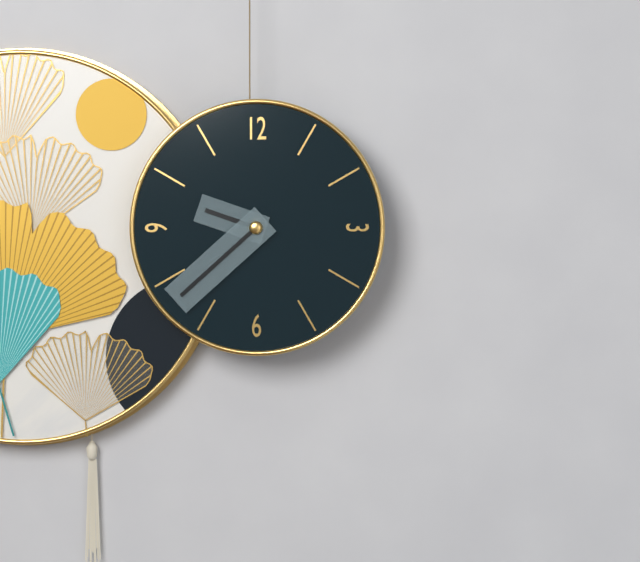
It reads **9:38**
